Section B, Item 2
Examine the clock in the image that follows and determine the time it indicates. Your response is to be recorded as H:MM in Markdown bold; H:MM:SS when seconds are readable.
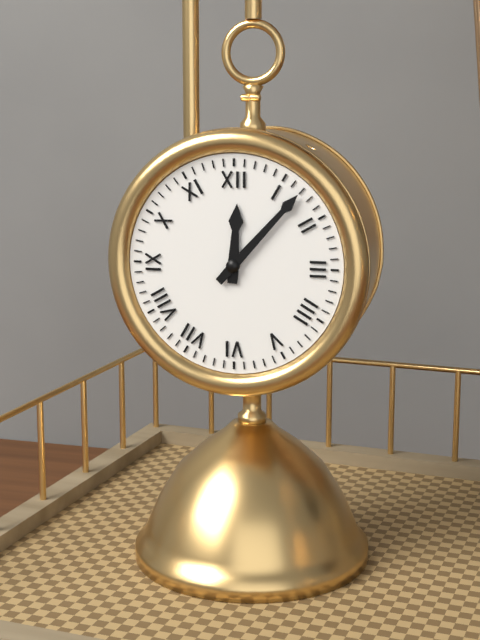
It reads **12:07**
